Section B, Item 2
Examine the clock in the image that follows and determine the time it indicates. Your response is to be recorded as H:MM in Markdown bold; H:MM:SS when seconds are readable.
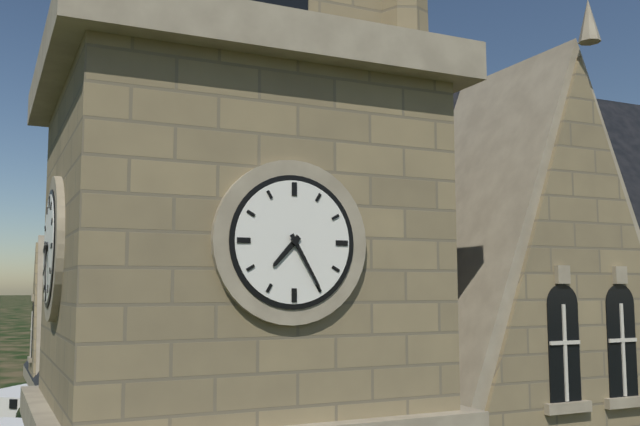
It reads **7:25**
